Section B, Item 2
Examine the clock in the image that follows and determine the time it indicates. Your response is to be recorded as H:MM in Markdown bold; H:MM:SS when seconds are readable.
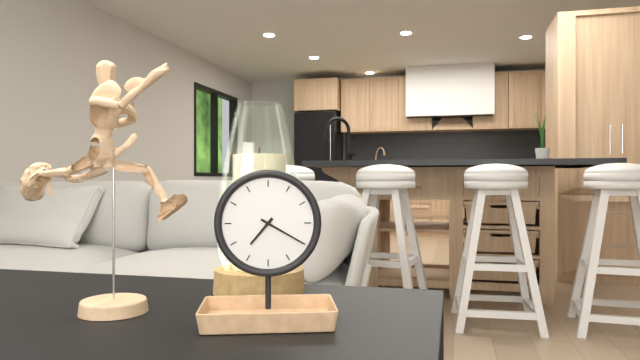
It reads **7:20**
